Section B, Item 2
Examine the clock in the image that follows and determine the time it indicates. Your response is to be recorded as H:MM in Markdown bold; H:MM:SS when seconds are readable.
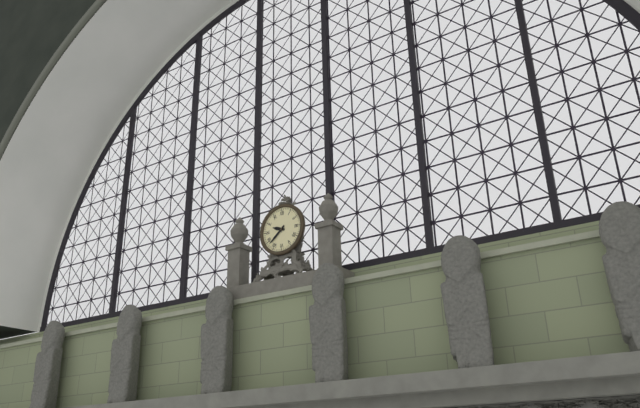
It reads **9:38**
